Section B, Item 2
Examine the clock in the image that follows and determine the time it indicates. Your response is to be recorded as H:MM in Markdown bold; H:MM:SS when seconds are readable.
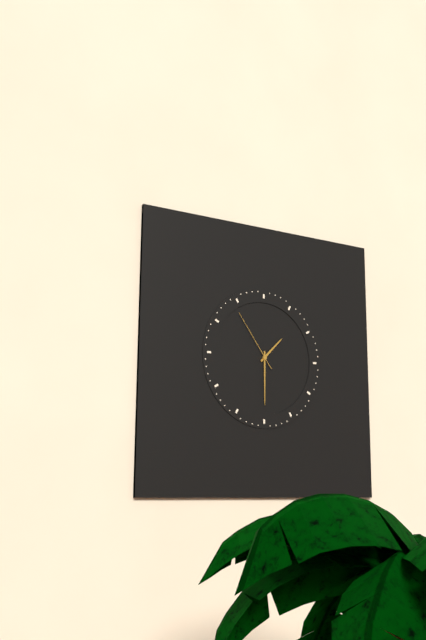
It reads **1:30:54**
